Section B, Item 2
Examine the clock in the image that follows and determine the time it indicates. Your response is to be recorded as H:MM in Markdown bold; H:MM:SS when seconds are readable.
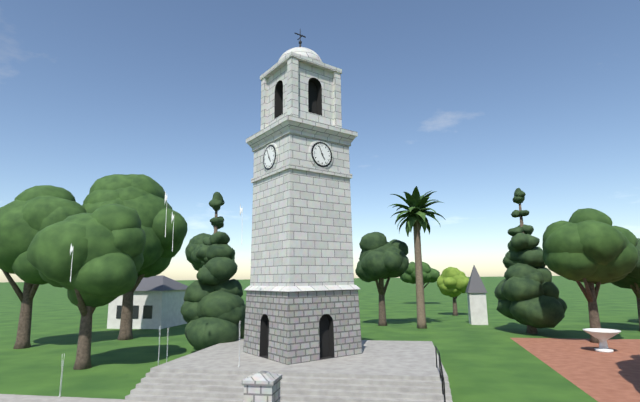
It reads **4:56**
